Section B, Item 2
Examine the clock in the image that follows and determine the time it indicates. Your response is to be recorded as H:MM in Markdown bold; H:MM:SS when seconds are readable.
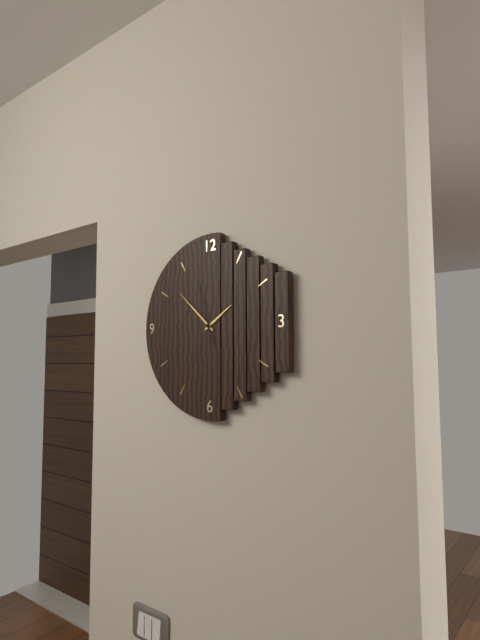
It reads **1:52:57**
